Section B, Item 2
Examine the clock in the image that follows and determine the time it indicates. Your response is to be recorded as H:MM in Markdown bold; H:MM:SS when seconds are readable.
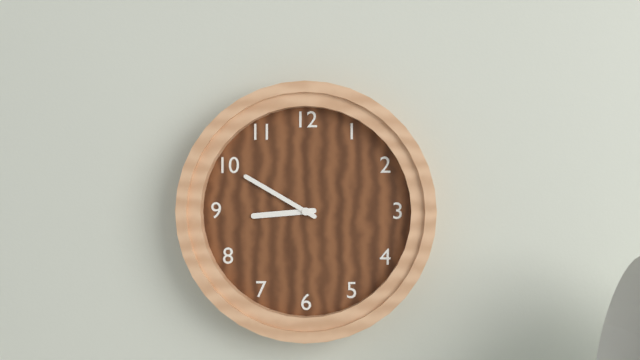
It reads **8:50**
